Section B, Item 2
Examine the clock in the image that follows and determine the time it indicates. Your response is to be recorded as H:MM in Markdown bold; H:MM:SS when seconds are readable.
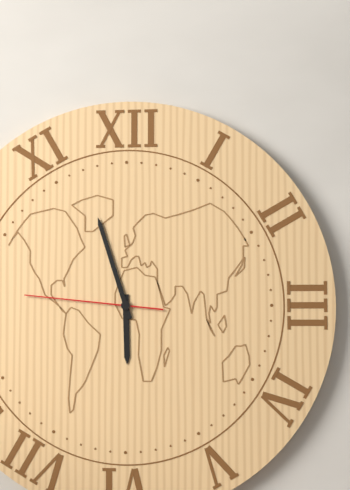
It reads **5:57:46**
